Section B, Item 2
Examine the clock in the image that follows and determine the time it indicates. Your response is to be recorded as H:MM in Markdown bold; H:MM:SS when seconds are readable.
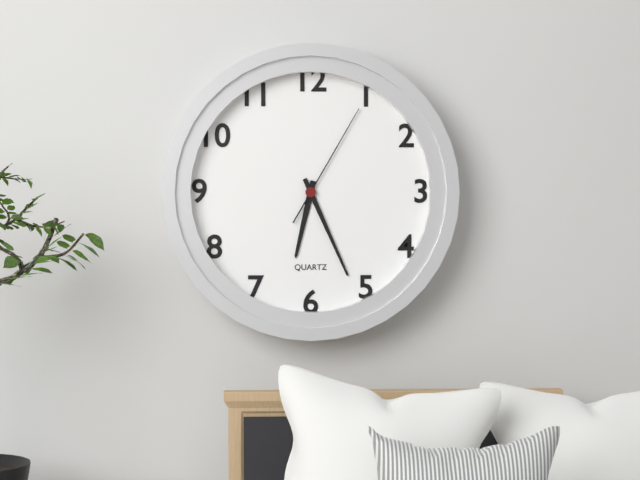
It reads **6:26:05**
